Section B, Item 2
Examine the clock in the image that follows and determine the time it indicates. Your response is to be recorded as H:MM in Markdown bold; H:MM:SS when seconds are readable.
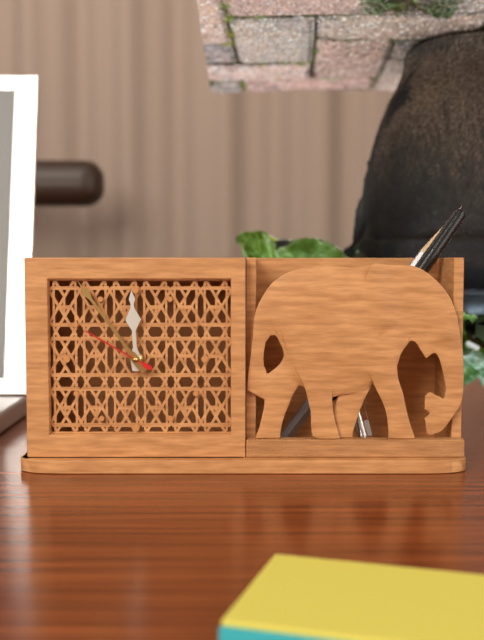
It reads **11:54:50**
